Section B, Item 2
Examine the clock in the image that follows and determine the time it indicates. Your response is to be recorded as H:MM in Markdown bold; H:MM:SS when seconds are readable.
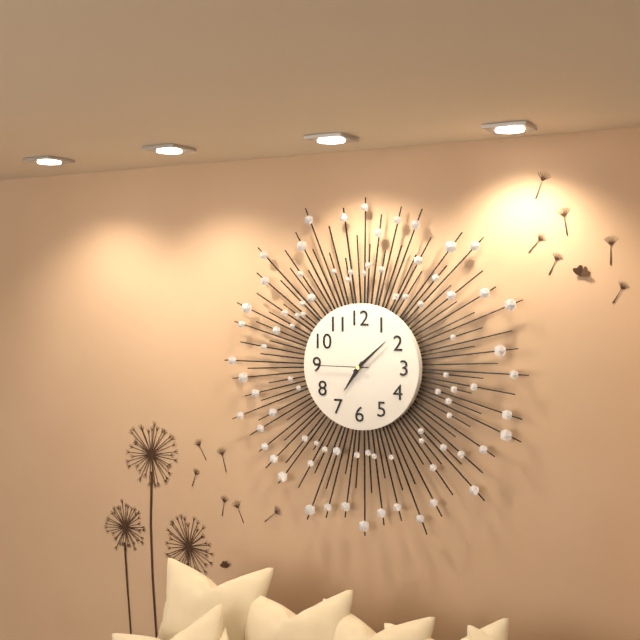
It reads **7:08:45**
